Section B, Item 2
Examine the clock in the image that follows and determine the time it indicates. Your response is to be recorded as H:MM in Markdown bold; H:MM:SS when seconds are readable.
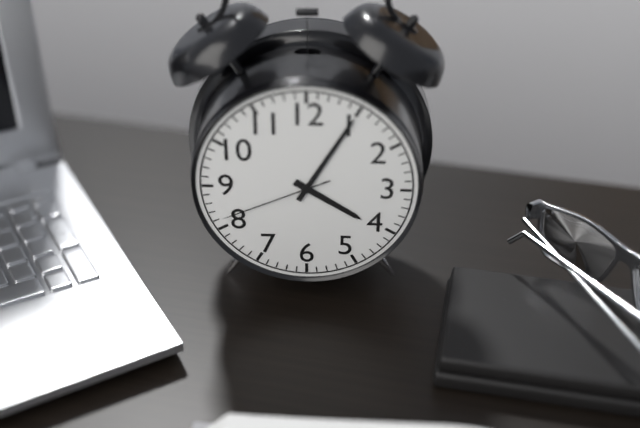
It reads **4:05:41**
